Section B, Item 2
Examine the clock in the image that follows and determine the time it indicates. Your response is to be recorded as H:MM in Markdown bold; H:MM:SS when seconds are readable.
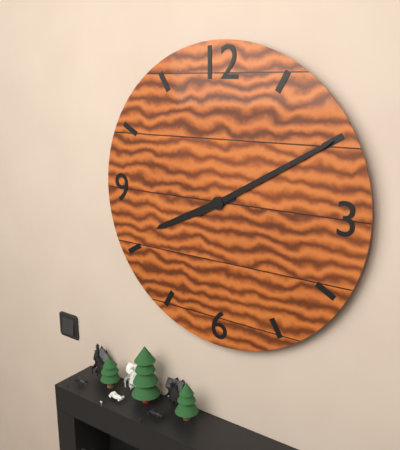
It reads **8:10**
